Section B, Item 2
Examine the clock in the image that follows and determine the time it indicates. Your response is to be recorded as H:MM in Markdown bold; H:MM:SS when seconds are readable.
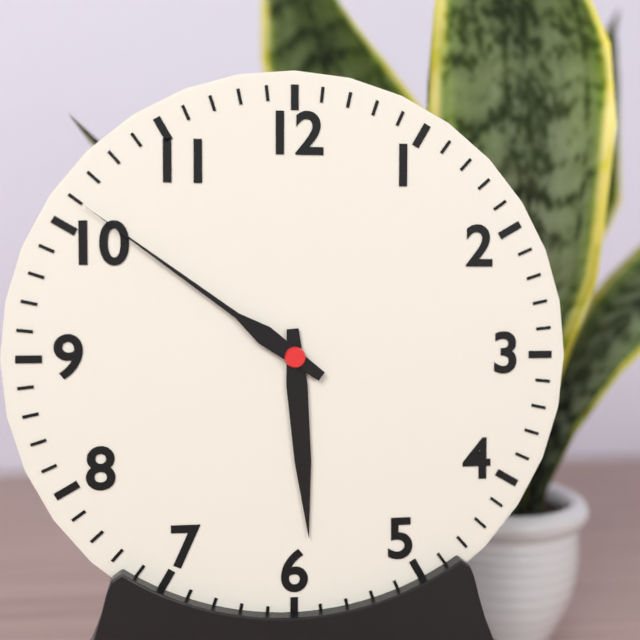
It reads **5:51**
